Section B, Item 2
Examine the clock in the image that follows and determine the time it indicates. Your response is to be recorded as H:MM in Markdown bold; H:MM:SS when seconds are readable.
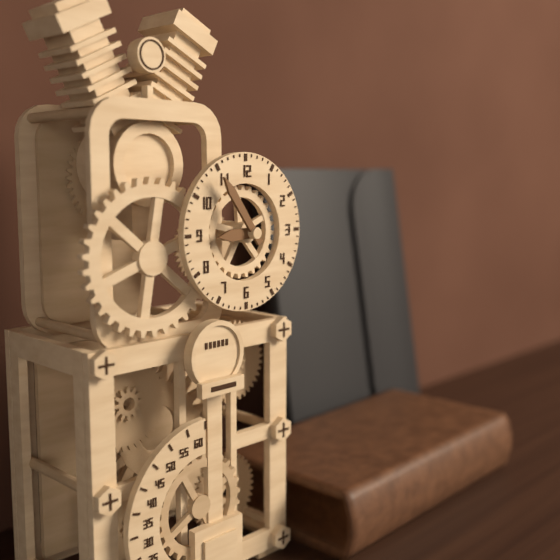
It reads **8:54**
